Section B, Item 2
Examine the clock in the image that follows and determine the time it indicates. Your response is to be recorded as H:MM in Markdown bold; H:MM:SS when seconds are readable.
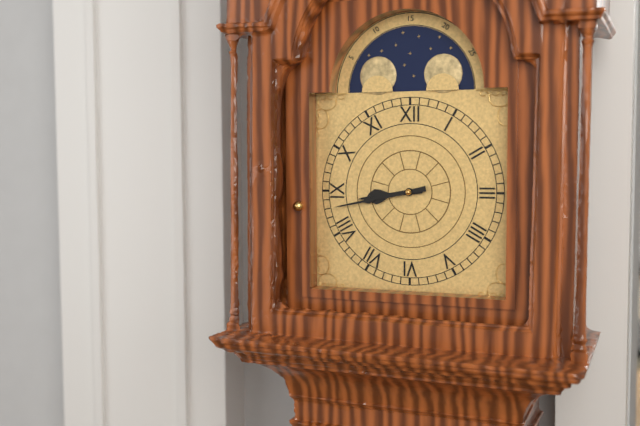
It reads **8:43**
